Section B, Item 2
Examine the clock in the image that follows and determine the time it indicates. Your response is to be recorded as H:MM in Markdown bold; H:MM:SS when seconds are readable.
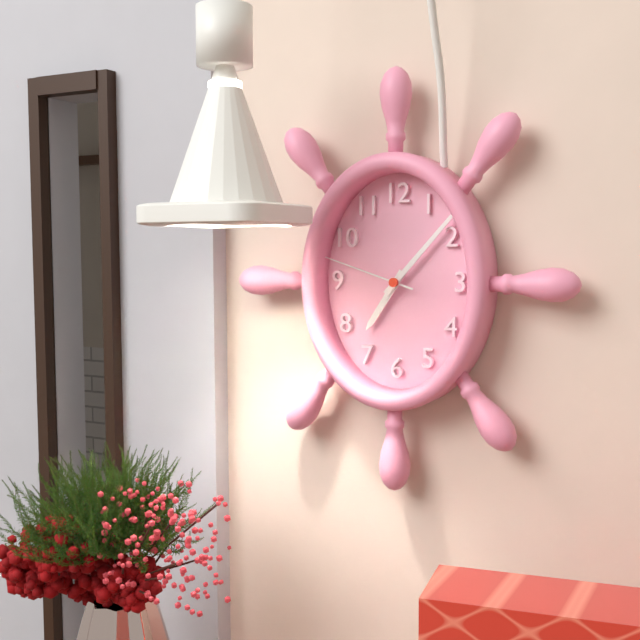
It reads **7:07:48**
